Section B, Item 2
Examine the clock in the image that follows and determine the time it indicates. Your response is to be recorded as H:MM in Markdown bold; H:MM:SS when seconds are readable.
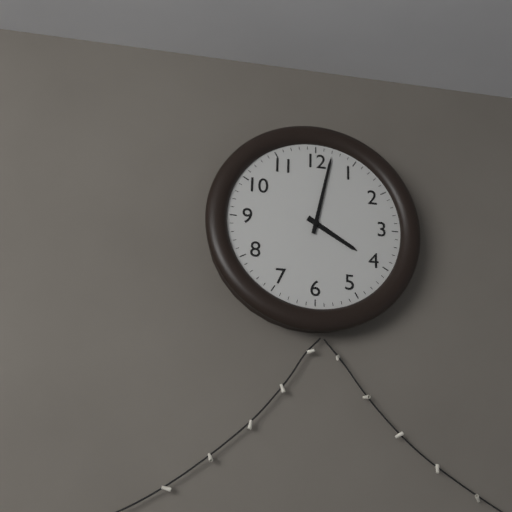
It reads **4:02**
